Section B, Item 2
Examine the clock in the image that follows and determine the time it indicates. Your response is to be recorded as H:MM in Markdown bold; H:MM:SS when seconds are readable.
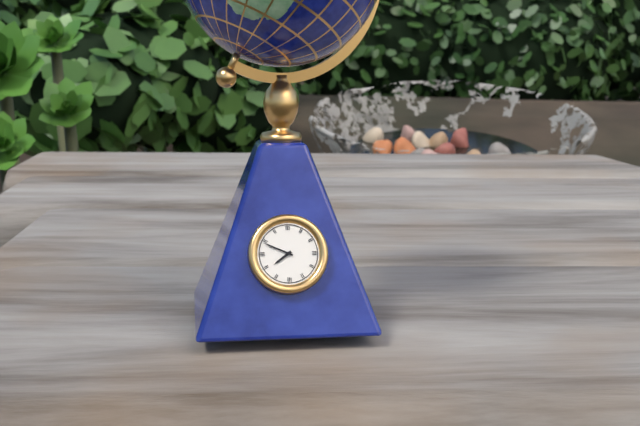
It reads **7:49**
